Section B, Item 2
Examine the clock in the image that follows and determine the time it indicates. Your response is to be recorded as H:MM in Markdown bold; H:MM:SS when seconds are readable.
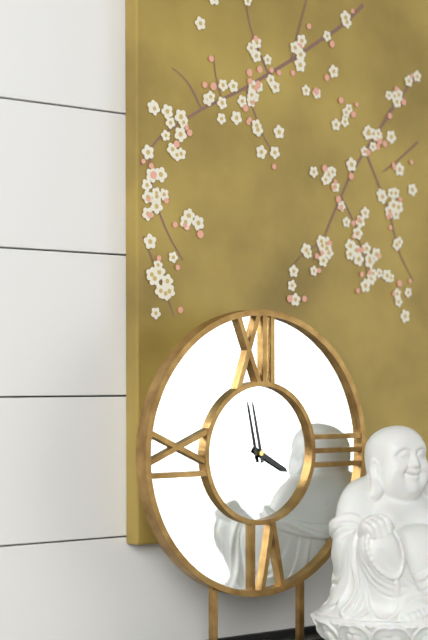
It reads **3:58**
